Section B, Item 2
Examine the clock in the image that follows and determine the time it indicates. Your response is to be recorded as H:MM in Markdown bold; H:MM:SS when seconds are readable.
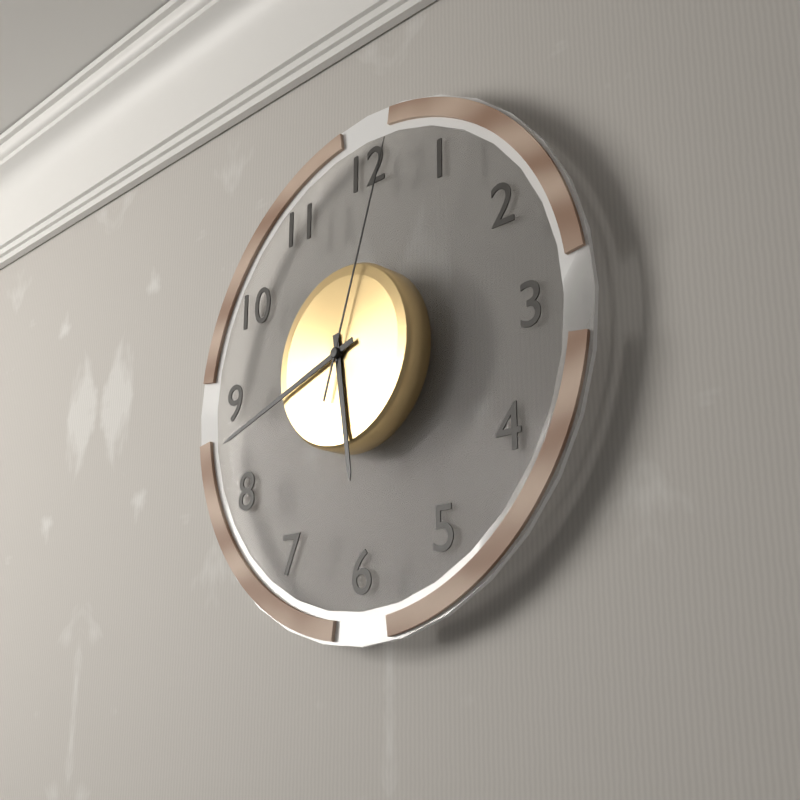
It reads **5:42:03**
